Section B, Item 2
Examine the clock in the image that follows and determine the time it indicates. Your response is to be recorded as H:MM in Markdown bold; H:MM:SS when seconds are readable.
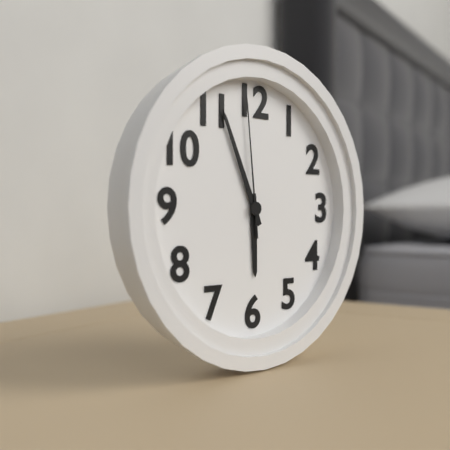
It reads **5:56:59**
